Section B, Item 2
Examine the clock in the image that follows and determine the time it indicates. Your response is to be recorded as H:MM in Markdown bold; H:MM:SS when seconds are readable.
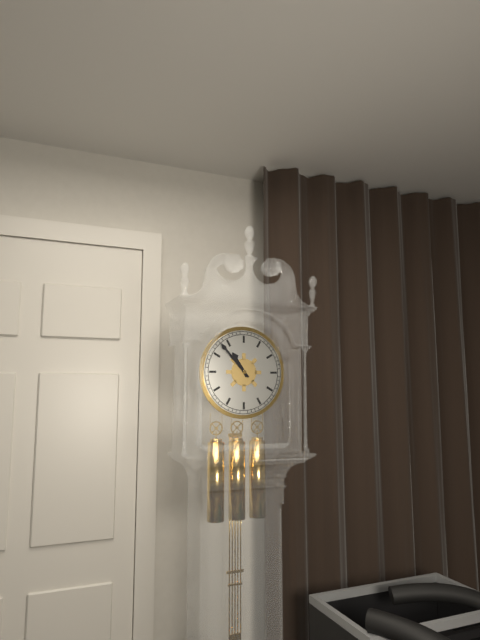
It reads **10:53**
